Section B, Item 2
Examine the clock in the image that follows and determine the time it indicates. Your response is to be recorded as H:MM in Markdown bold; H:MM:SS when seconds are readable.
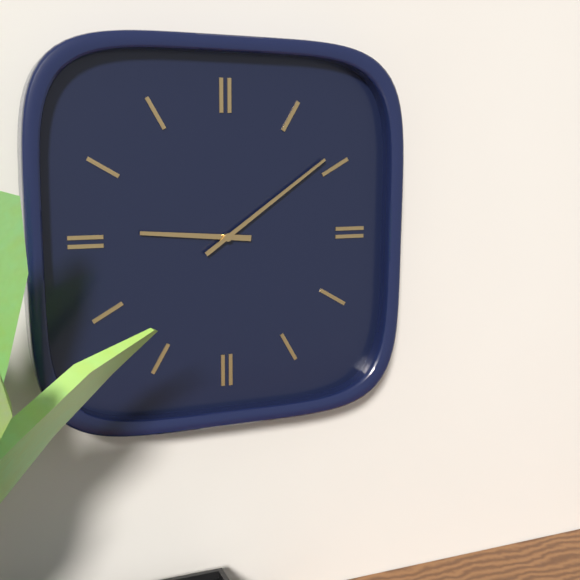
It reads **9:09**
